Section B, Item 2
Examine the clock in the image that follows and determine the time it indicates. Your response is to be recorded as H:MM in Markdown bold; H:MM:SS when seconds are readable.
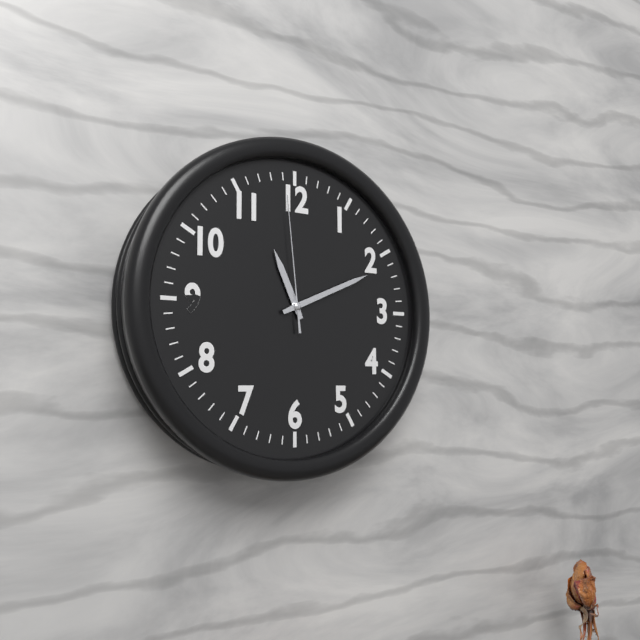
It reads **11:11:59**
